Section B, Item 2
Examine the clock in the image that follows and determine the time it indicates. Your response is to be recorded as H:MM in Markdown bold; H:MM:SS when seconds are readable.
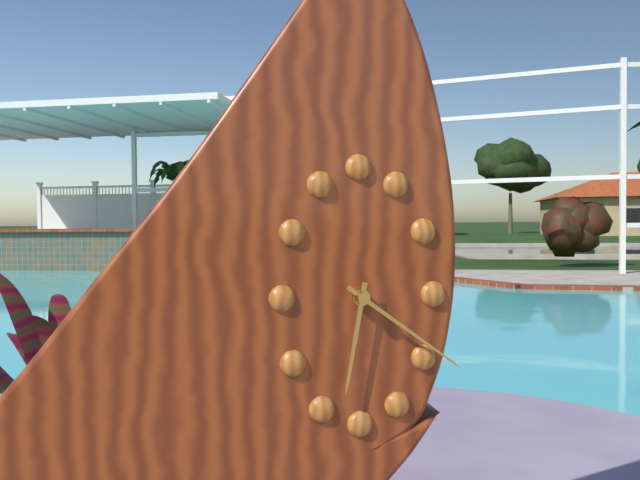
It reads **6:21**
